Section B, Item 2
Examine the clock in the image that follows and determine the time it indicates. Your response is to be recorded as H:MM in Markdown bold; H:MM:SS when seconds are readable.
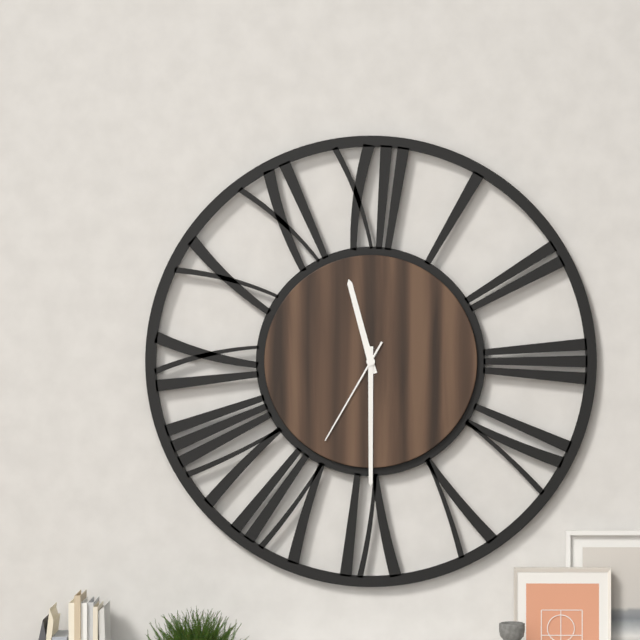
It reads **11:30:35**
